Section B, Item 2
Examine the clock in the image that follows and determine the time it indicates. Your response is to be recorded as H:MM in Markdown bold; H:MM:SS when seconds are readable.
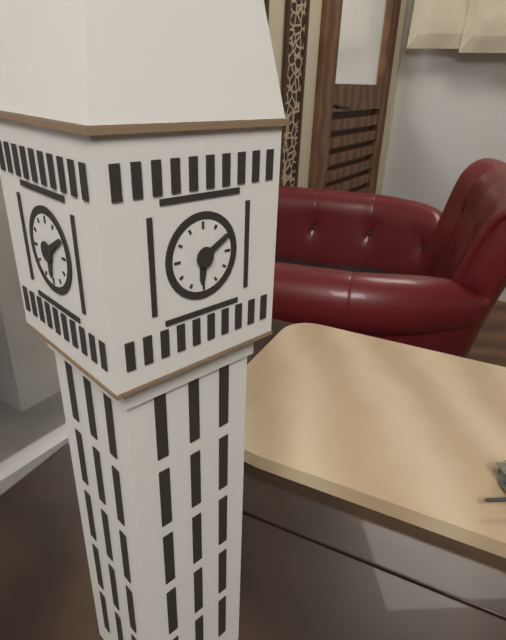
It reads **6:10**
